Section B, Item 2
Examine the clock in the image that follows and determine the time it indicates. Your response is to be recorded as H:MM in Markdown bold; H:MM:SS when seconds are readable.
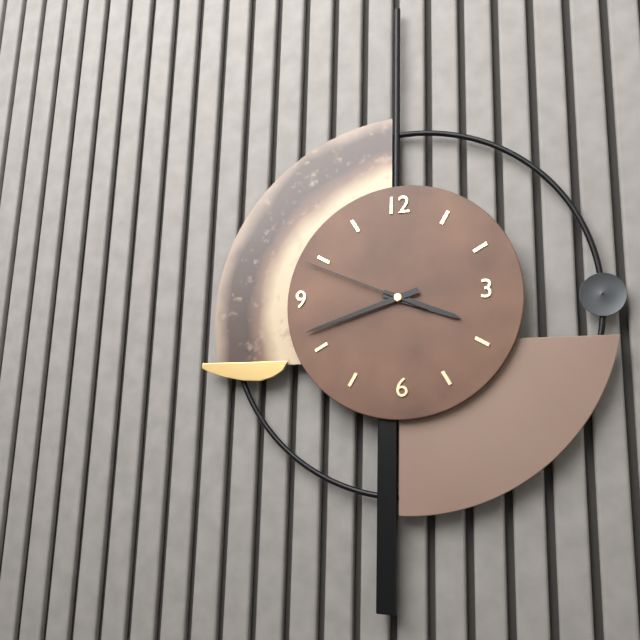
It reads **3:42:49**
